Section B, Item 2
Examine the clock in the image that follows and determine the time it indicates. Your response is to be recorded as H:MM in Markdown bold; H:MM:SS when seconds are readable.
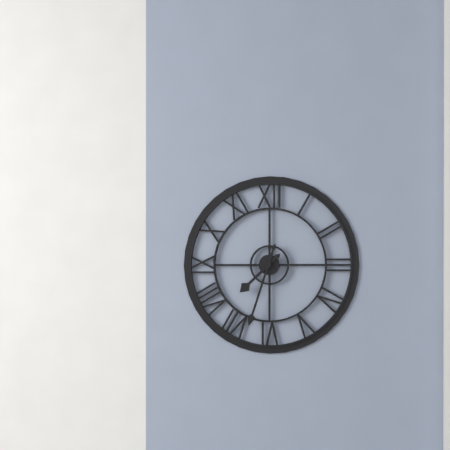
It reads **7:33**
